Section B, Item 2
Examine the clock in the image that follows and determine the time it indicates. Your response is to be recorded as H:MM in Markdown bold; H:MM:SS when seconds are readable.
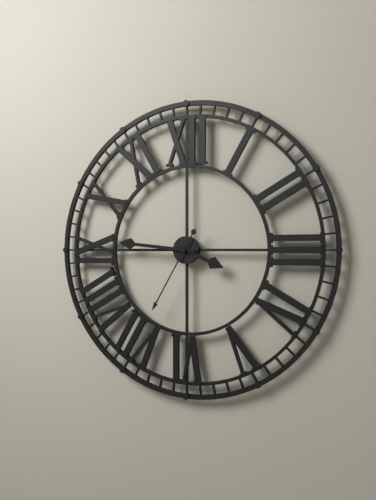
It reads **3:46:35**
